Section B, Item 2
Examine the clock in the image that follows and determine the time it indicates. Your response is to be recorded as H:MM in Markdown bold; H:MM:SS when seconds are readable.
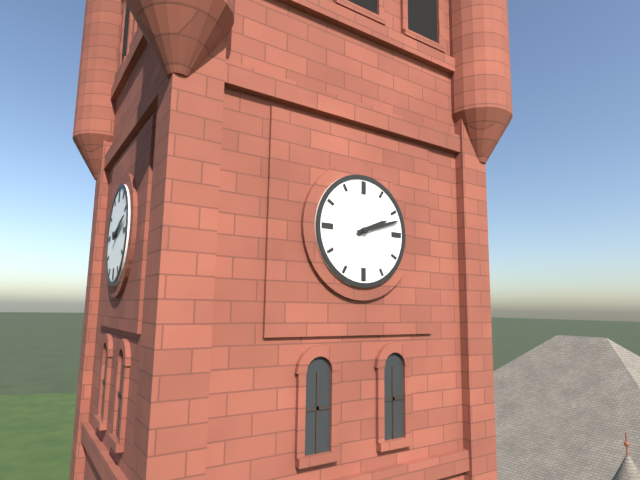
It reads **2:12**
